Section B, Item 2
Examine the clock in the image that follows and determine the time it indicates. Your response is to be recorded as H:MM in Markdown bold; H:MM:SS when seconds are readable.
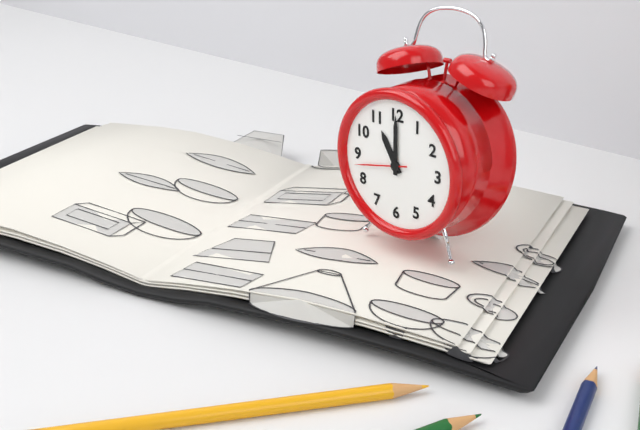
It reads **11:00:43**
